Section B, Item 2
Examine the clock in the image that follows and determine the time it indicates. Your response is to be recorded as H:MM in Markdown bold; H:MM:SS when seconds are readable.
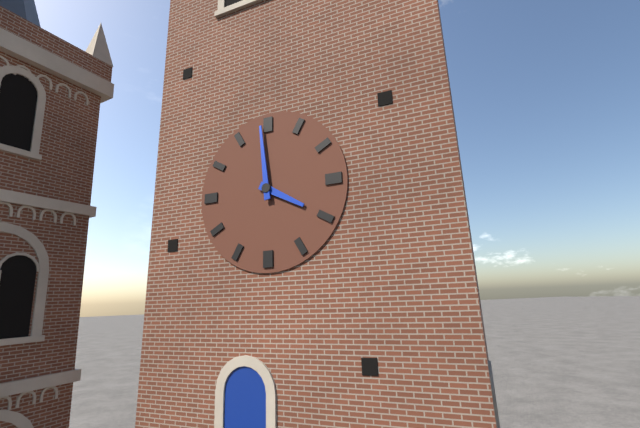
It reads **3:59**
